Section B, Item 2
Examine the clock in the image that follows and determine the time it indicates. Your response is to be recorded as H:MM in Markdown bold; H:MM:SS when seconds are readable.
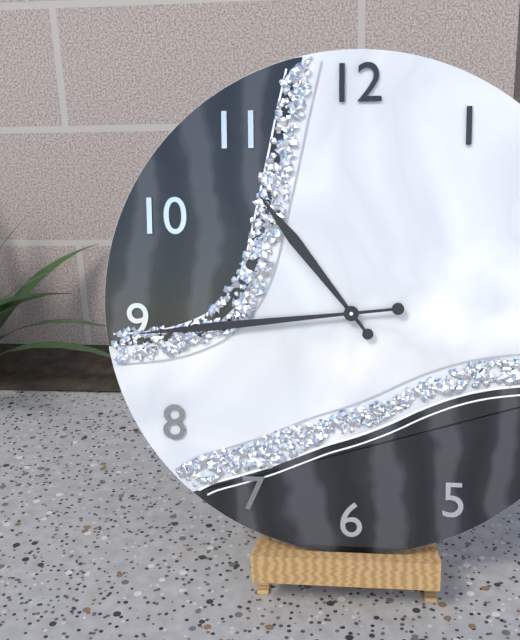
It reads **10:44**
